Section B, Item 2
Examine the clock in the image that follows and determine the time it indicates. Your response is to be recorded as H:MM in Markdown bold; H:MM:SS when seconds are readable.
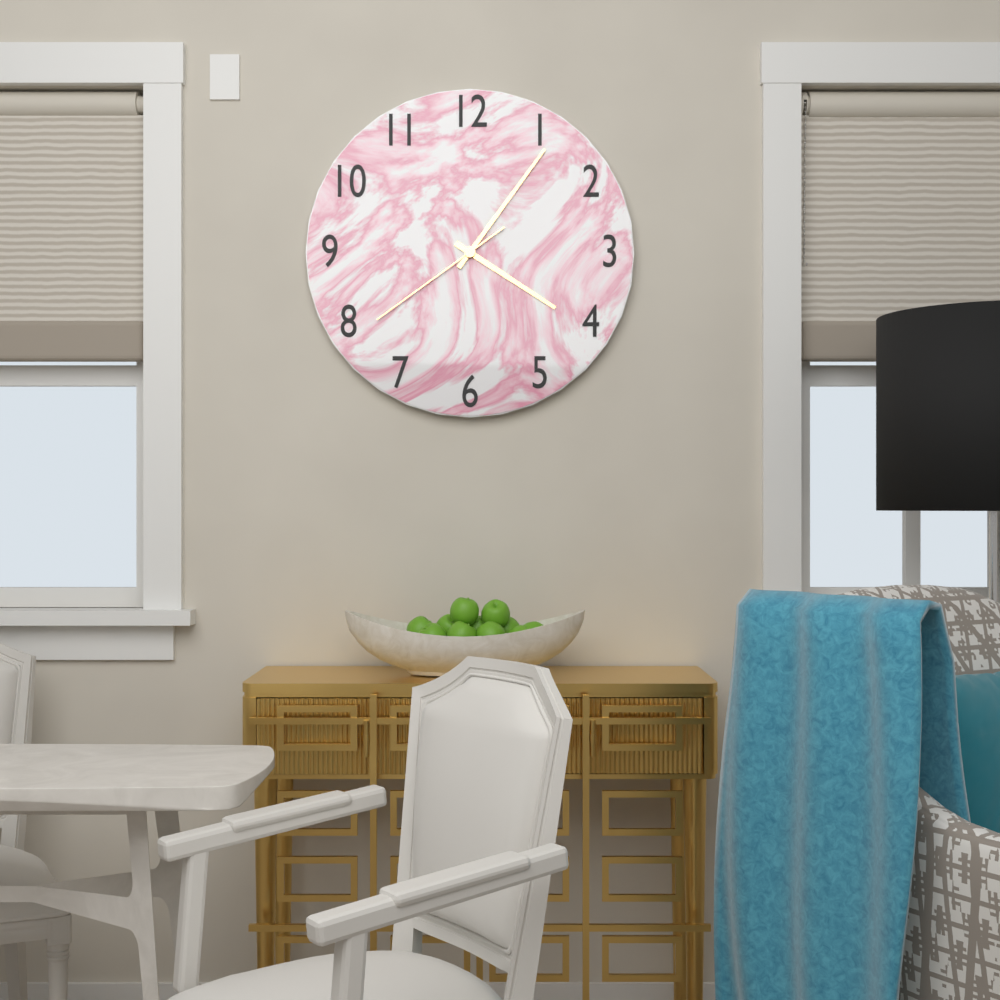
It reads **4:06:39**
